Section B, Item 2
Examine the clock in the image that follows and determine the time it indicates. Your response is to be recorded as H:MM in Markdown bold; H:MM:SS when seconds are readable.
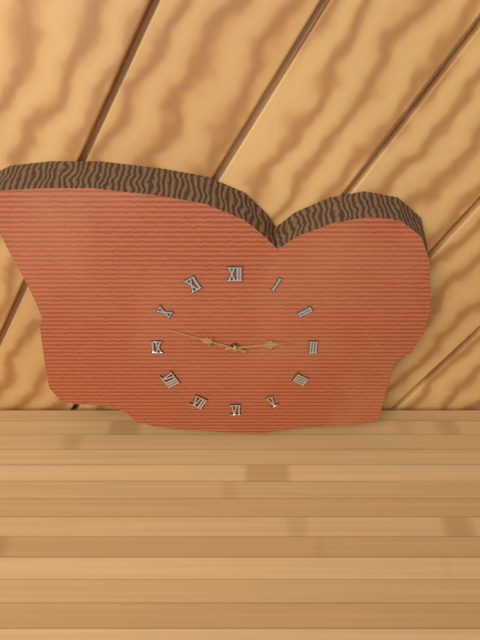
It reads **2:48**
